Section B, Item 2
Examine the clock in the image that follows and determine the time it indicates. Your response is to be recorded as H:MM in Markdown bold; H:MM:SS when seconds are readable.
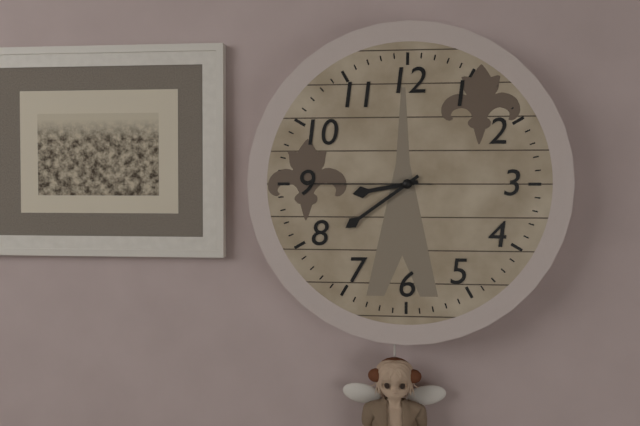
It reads **8:39:45**
